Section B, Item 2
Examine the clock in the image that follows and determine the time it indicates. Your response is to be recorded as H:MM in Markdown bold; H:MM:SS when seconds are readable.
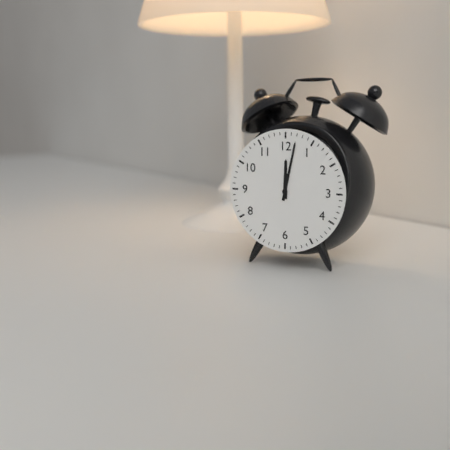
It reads **12:02**
